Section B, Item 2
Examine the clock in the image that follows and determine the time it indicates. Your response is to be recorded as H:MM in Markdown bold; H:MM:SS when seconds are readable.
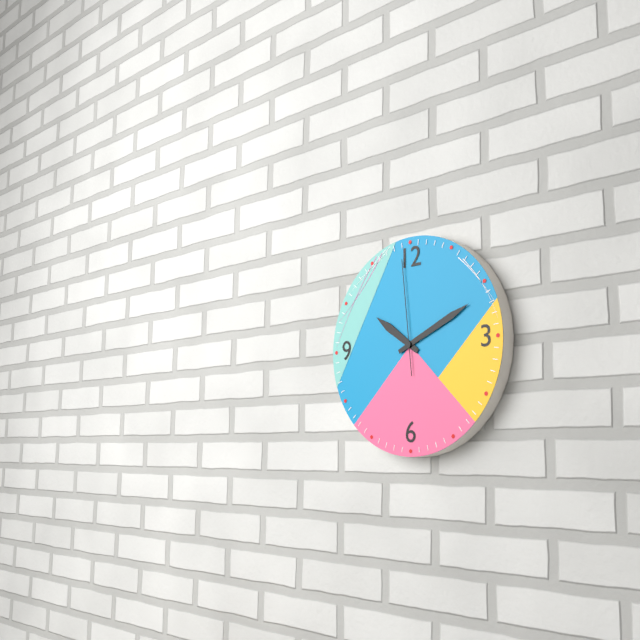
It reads **10:11:59**
